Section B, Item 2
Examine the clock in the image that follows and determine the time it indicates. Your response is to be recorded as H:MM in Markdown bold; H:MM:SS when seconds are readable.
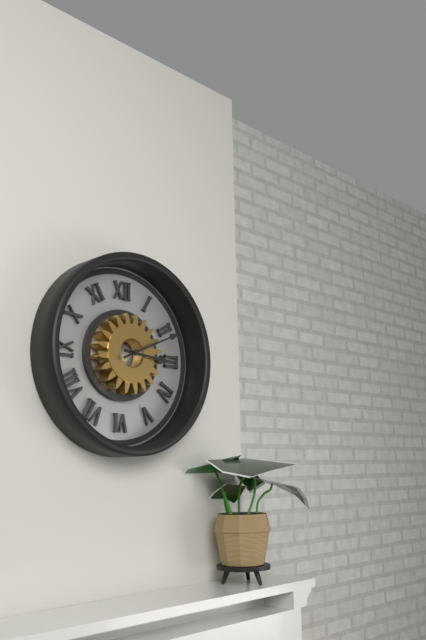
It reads **3:11**
